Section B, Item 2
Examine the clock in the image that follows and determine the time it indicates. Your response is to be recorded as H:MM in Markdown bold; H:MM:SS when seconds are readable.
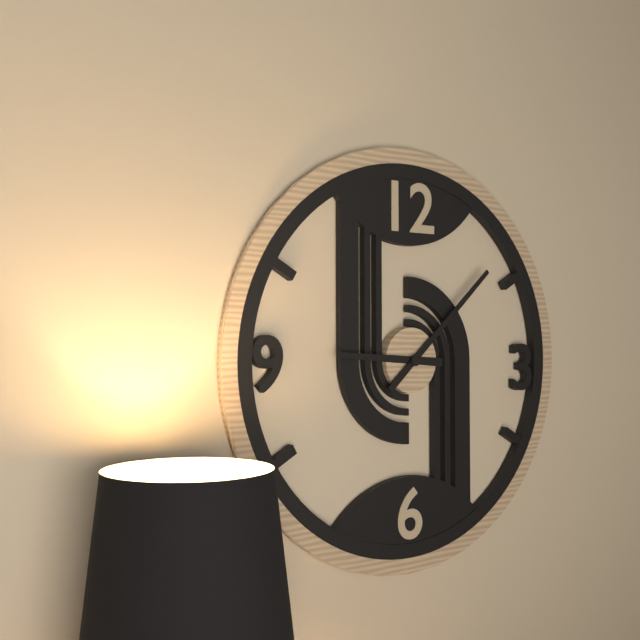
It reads **9:08**
